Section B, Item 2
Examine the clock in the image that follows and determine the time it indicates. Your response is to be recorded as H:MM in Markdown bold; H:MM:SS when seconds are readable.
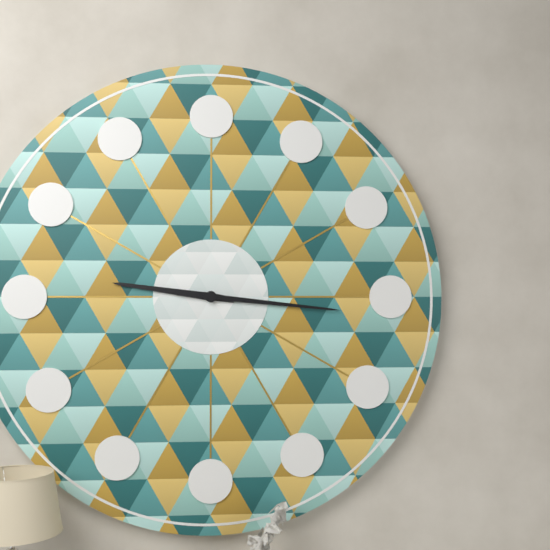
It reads **9:16**
